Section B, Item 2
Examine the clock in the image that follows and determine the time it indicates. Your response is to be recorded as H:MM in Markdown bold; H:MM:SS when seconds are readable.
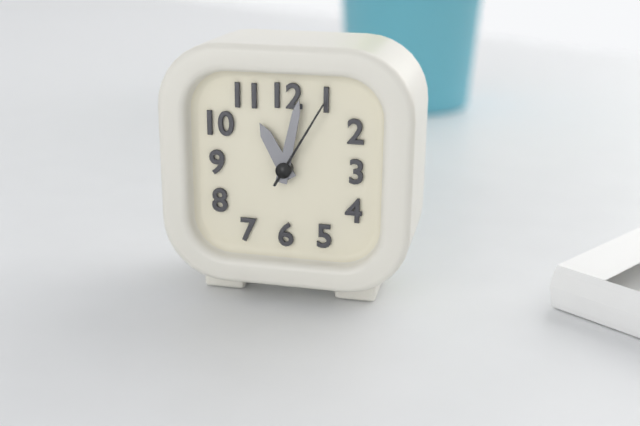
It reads **11:02:05**
